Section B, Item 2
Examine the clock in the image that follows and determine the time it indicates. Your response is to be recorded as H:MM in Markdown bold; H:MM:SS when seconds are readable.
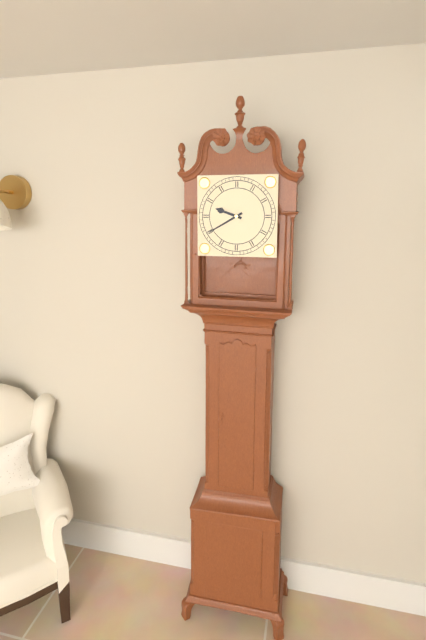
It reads **9:40**
